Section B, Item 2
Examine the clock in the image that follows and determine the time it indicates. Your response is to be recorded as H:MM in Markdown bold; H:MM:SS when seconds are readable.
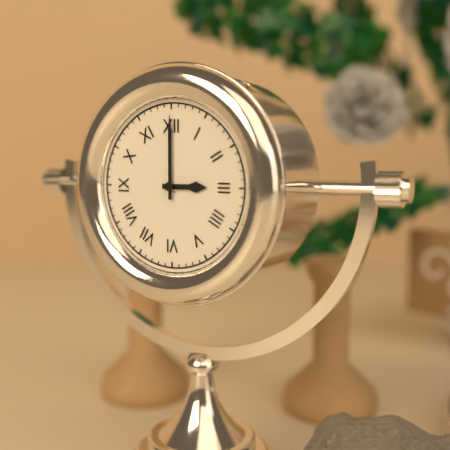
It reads **3:00**
